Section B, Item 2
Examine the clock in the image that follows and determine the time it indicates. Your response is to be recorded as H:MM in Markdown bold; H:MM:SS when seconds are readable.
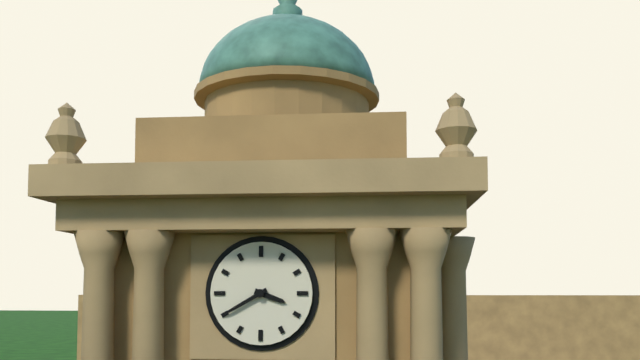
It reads **3:40**
